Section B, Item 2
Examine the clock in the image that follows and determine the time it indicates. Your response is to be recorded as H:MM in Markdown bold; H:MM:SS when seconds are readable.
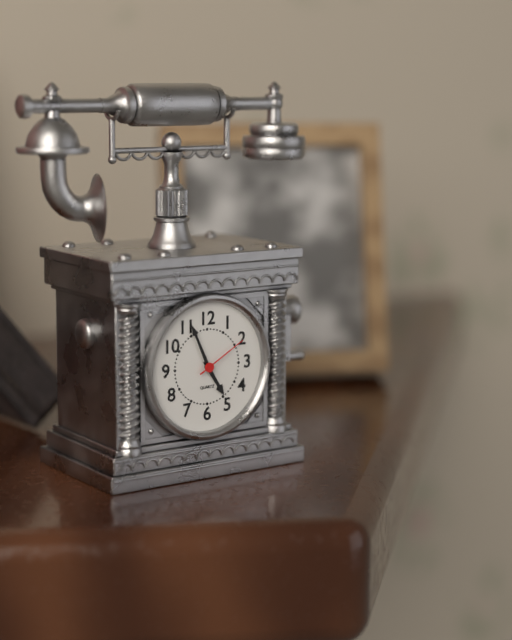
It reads **4:56:10**
